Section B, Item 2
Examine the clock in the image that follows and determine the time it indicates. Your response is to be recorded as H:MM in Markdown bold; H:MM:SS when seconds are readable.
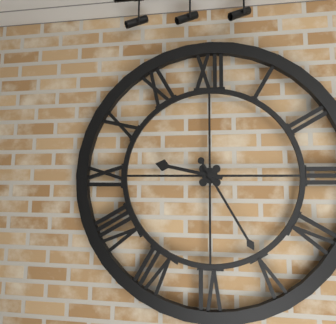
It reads **9:25**
